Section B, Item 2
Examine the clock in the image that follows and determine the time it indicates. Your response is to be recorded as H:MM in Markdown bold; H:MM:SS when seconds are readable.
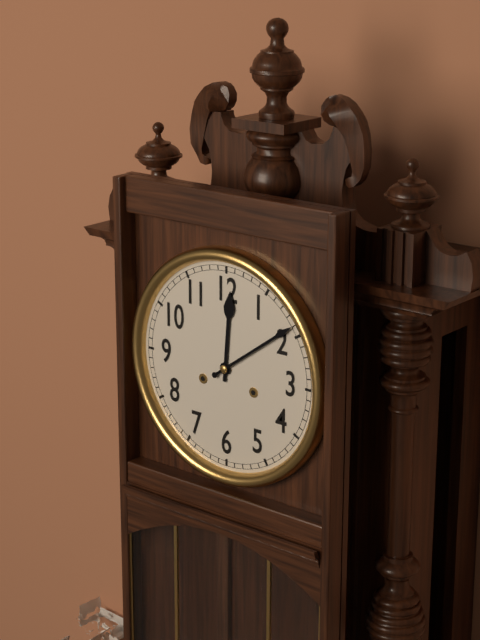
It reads **12:09**
